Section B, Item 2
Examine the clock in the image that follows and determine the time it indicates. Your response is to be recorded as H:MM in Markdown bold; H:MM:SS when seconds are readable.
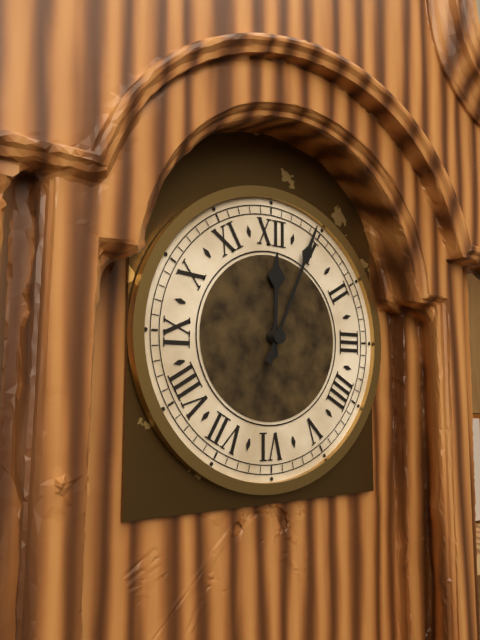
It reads **12:04**
